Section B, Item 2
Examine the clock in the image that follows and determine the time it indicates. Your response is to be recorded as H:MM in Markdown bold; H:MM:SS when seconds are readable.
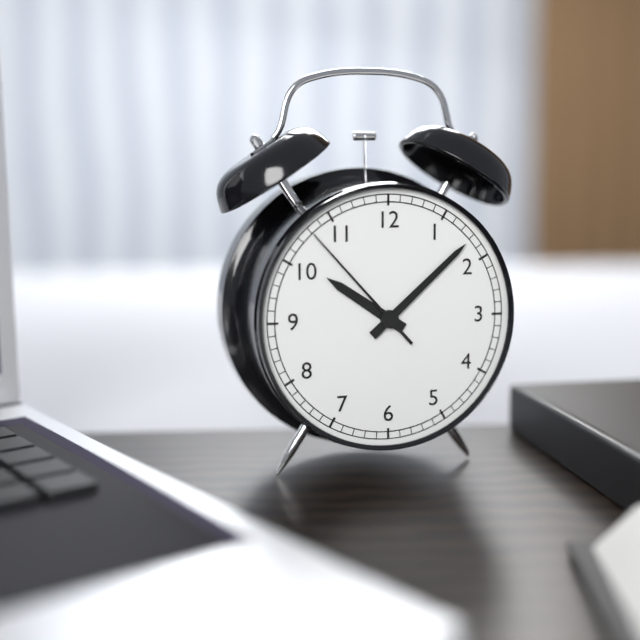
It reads **10:08:53**
